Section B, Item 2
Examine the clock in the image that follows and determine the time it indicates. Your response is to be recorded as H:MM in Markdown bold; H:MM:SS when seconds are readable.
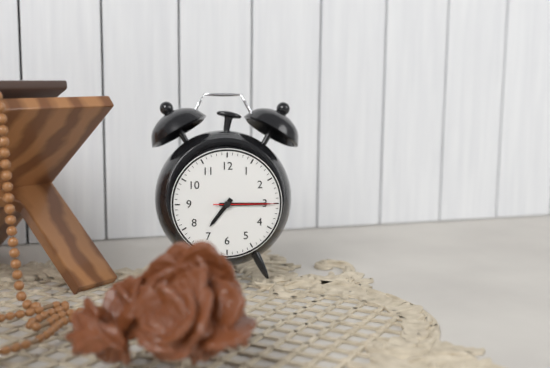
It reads **7:15:15**
